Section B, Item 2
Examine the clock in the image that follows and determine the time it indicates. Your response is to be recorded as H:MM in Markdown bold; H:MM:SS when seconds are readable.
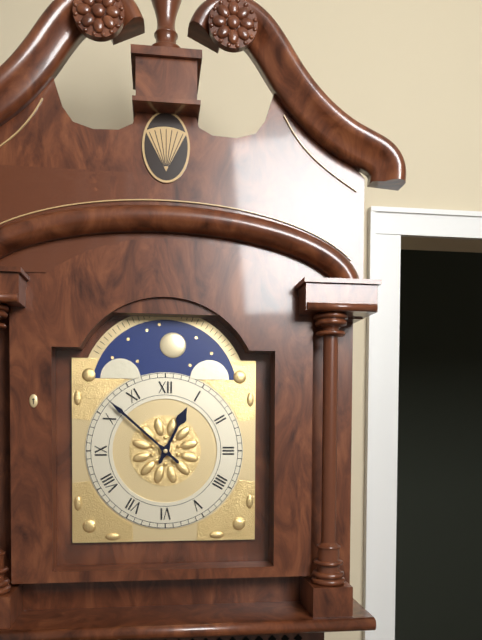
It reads **12:52**
